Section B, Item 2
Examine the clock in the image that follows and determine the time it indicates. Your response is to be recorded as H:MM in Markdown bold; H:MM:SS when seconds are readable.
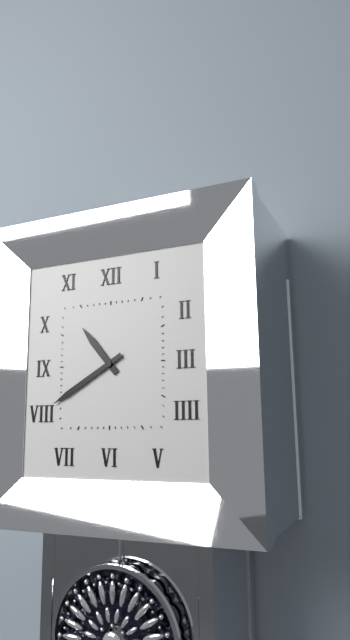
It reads **10:40**
